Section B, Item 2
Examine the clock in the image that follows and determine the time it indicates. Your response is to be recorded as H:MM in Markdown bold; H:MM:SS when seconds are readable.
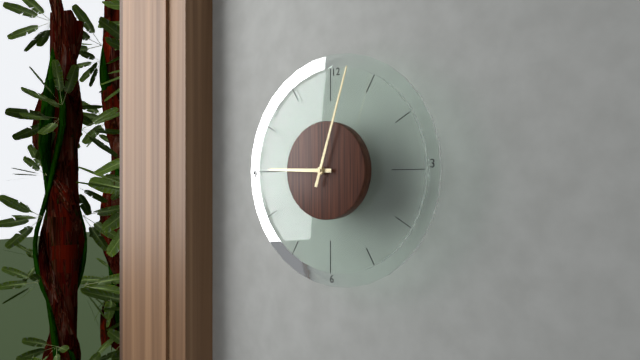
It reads **9:03**
